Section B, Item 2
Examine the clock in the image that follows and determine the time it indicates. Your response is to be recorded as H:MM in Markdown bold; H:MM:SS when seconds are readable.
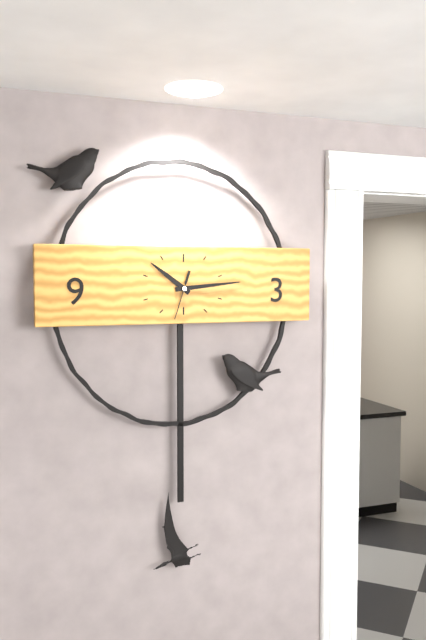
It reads **10:14**
